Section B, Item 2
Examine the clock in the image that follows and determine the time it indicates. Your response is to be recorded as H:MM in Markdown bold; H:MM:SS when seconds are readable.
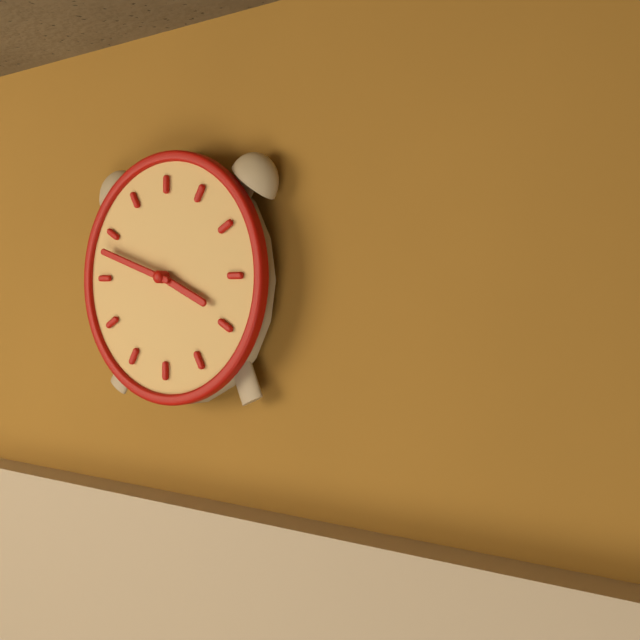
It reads **3:48**
